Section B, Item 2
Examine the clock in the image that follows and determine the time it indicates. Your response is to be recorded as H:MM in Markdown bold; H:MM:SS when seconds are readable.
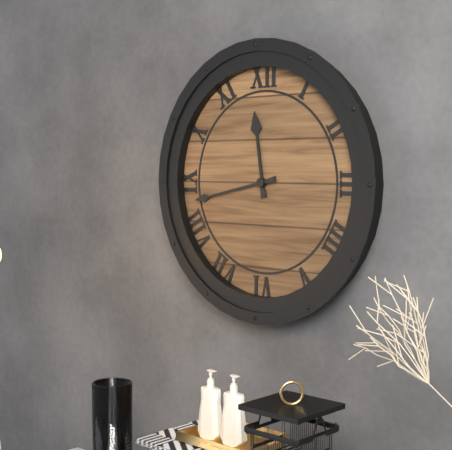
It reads **11:43**
